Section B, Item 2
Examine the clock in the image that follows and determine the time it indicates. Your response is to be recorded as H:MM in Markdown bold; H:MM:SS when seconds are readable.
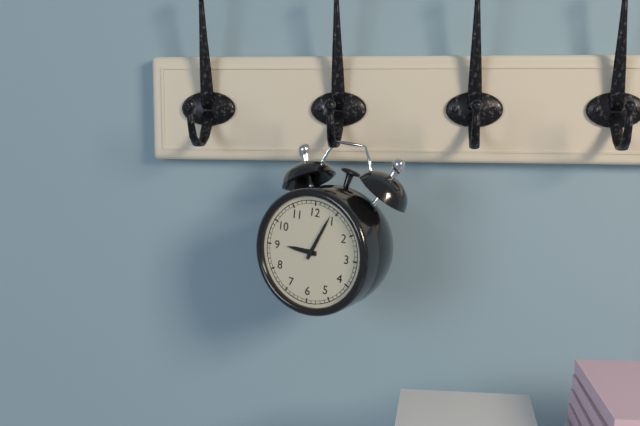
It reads **9:04**
